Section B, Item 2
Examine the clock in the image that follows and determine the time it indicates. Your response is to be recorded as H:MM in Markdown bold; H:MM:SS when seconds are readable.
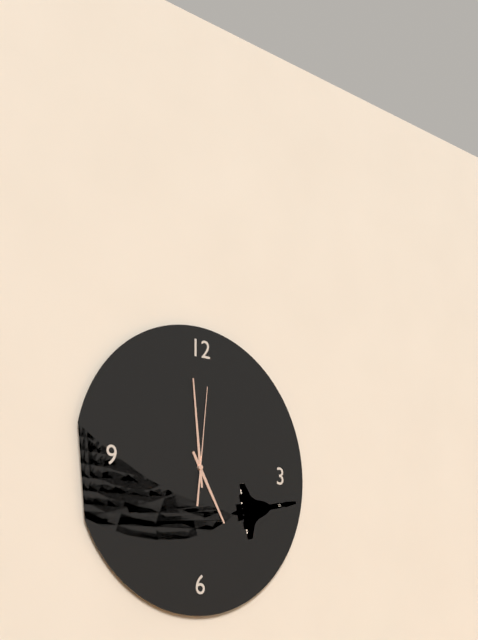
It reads **4:59:01**
